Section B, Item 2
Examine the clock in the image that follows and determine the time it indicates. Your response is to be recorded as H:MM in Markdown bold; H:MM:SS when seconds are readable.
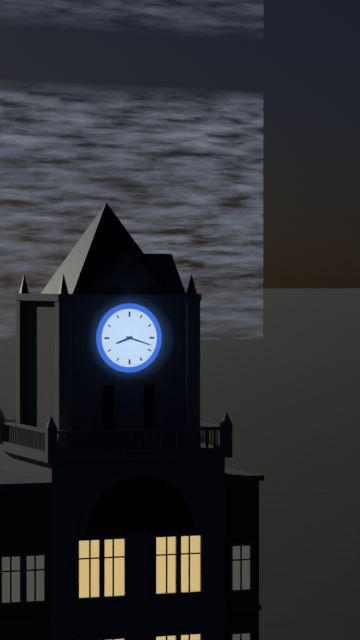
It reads **8:18**
